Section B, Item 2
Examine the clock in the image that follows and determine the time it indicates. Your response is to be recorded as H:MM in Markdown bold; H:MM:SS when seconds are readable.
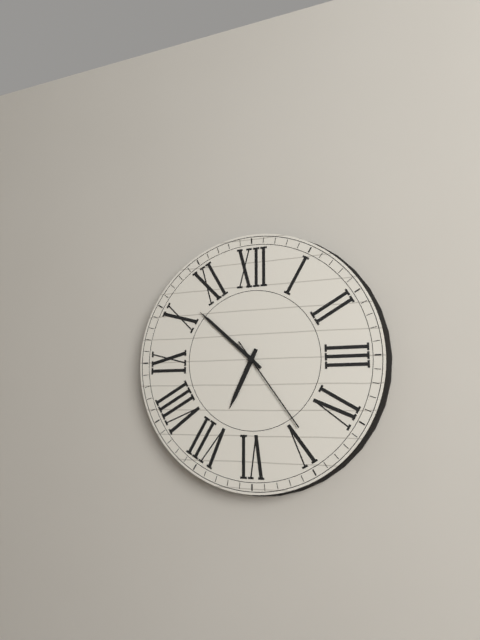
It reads **6:52:24**
